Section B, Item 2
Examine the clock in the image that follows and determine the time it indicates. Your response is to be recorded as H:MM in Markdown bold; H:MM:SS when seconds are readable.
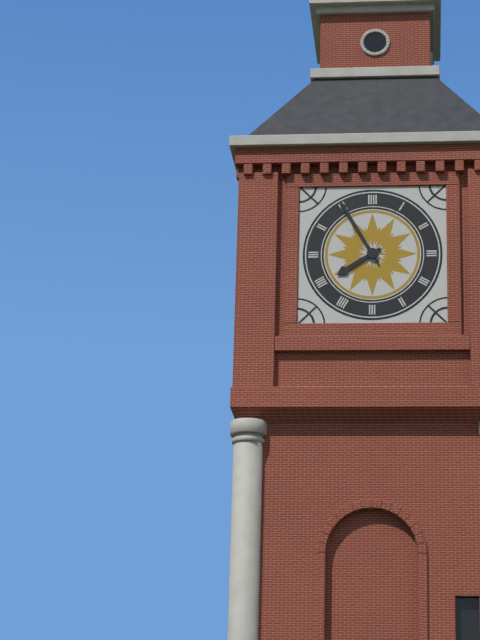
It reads **7:55**
